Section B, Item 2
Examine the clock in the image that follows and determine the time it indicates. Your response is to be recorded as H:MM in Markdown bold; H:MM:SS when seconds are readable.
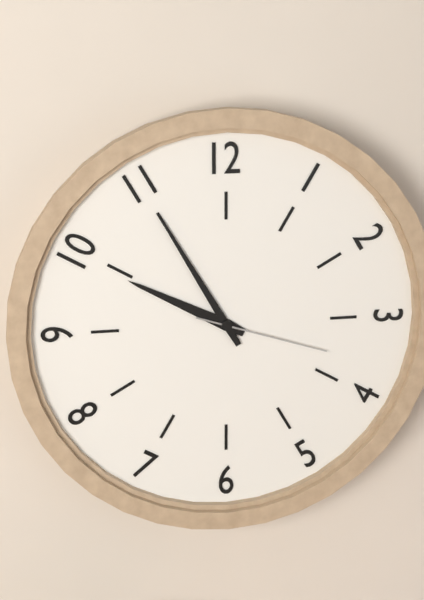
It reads **9:55:18**
